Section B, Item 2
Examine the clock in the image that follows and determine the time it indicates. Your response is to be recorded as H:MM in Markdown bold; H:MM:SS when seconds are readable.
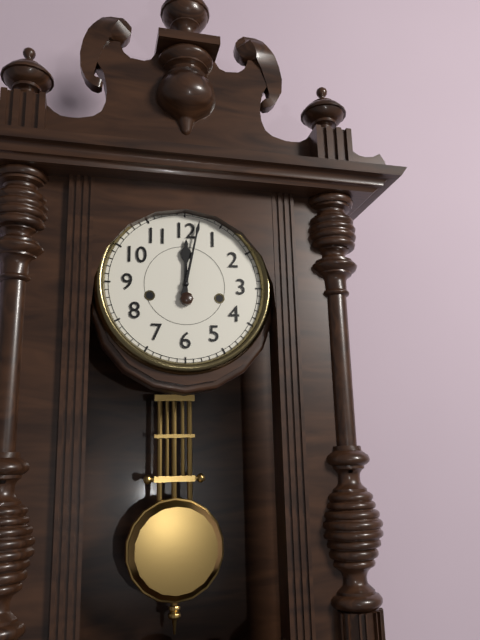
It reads **12:02**
